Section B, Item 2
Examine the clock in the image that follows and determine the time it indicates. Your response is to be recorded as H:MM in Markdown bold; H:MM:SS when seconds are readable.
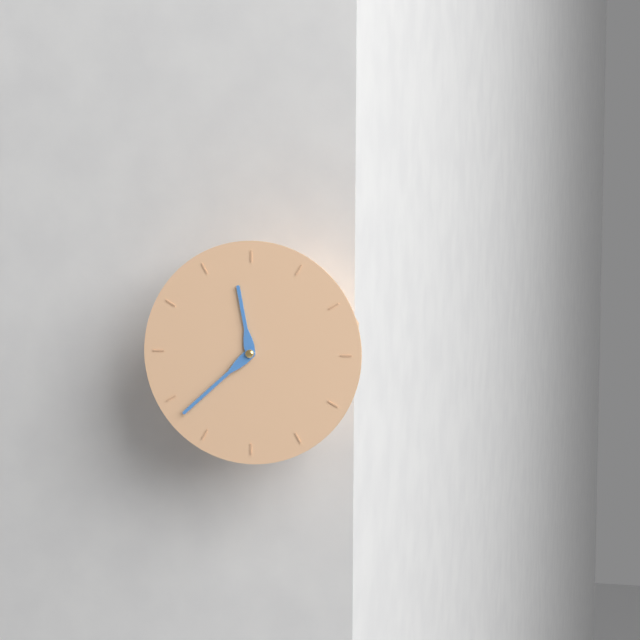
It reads **11:38**
